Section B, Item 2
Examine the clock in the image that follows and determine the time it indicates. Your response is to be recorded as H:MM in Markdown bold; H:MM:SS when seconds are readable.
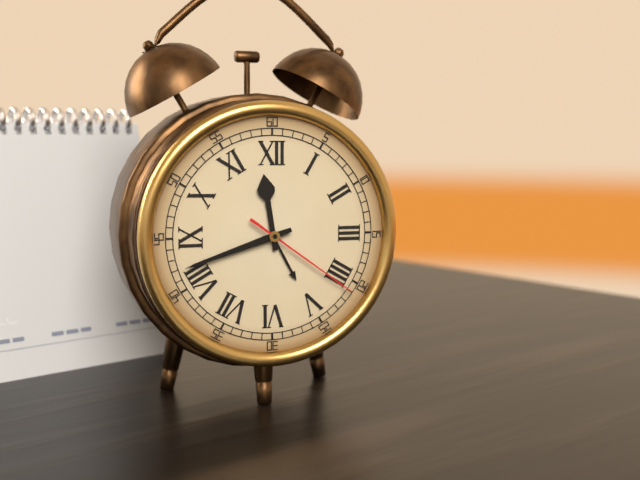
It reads **11:42:21**
